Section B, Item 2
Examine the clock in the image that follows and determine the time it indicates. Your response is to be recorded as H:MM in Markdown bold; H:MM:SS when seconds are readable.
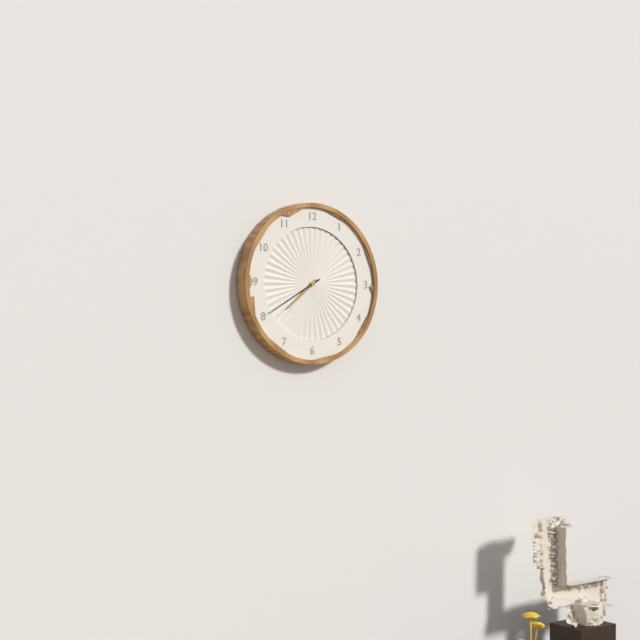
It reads **7:40**
